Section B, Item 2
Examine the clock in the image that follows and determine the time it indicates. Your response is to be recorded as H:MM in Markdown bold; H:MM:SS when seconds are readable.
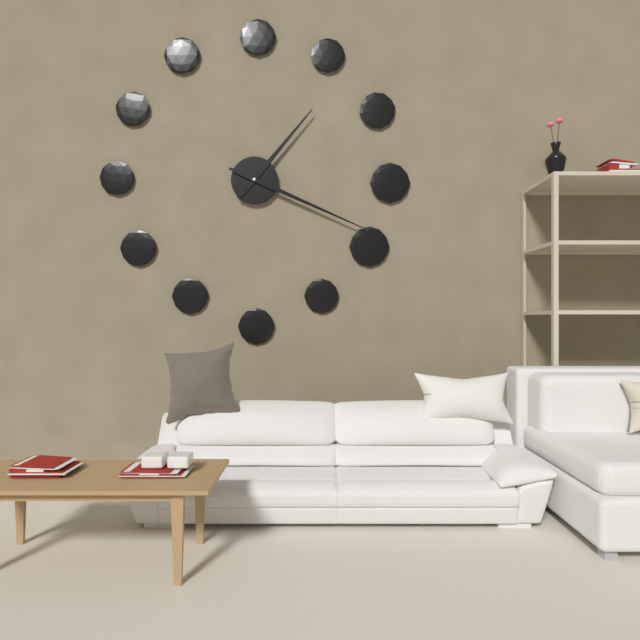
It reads **1:19**
